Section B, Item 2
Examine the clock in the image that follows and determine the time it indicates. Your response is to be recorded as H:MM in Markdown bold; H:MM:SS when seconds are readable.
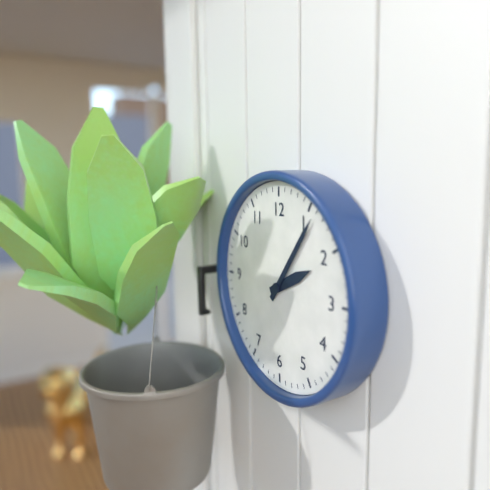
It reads **2:06**
